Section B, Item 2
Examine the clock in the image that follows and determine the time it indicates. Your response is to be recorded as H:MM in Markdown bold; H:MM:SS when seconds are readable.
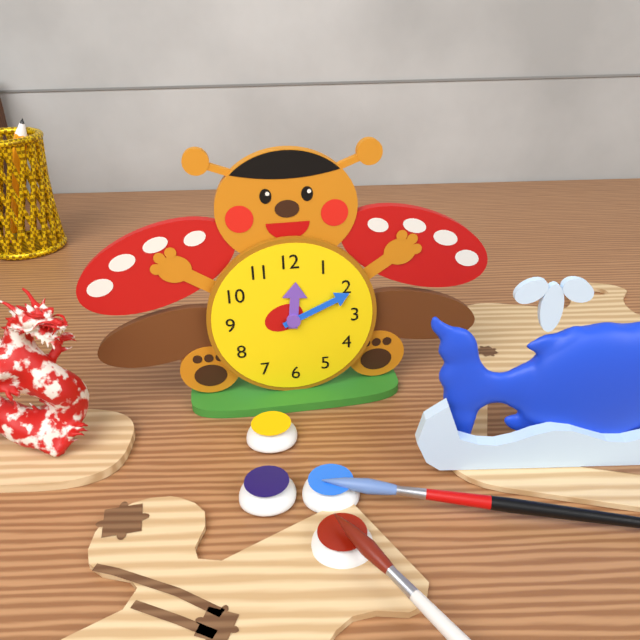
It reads **12:11**
